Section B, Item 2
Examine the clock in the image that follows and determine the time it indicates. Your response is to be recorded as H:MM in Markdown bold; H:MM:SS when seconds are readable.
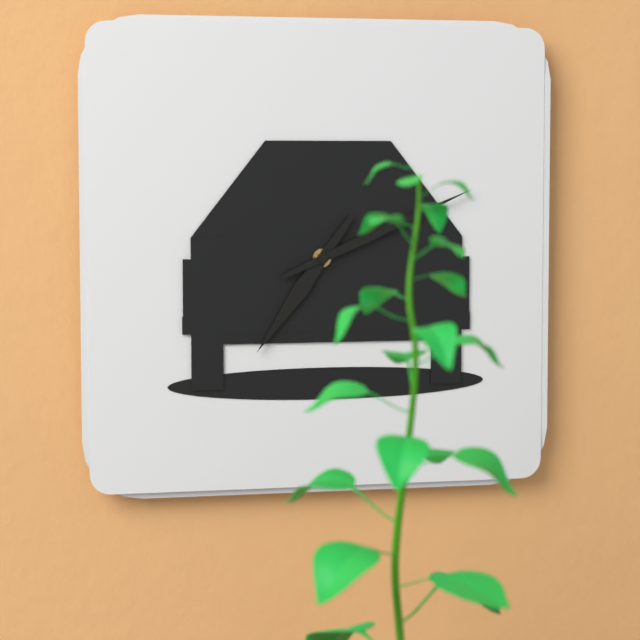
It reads **7:11**
